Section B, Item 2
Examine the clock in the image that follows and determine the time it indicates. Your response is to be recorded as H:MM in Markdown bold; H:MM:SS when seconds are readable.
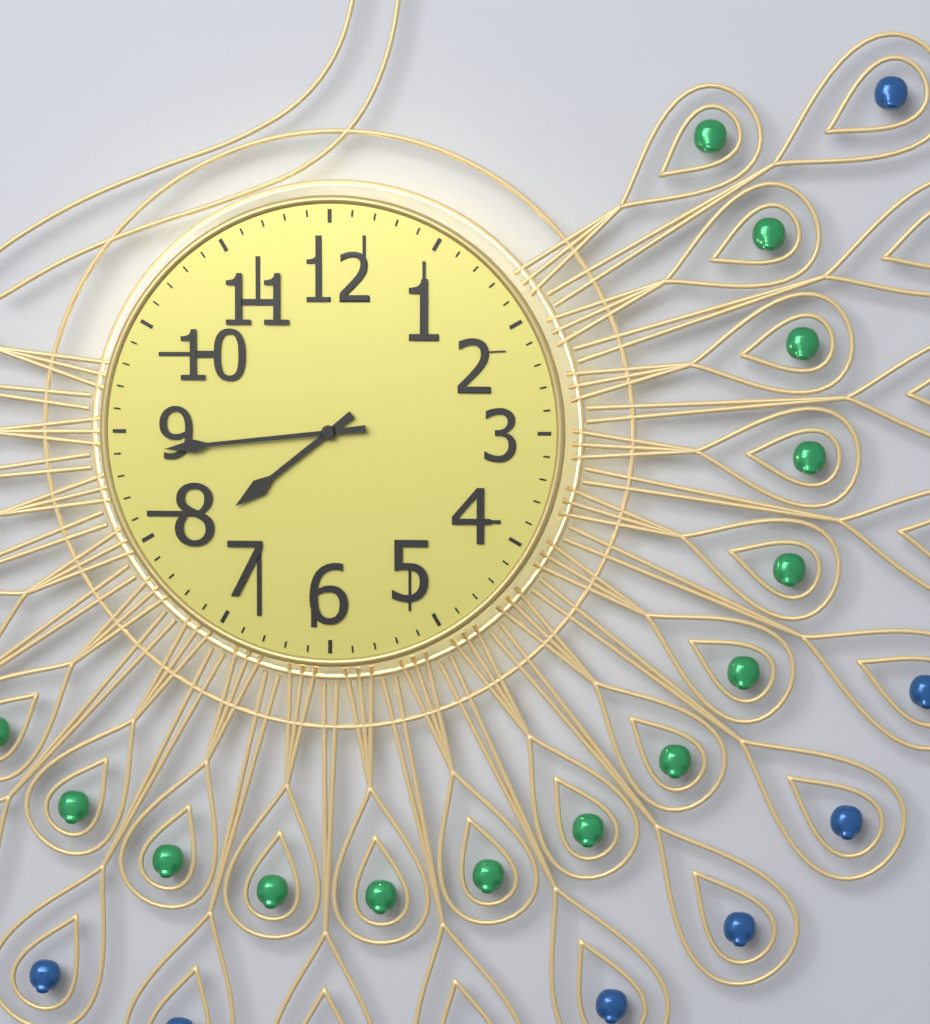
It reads **7:44**
